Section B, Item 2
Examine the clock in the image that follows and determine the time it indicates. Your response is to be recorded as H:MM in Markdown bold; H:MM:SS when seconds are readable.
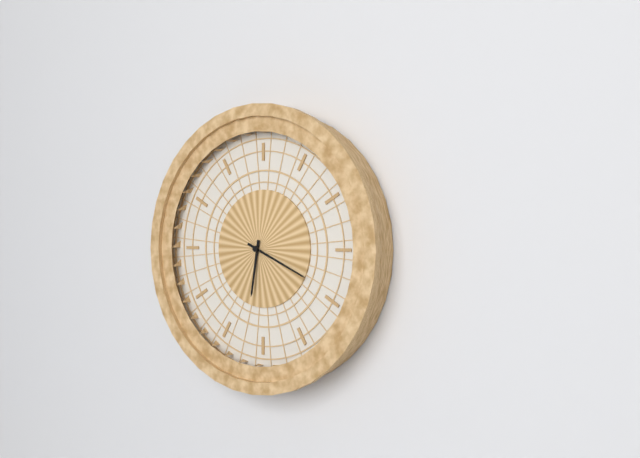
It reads **6:19**
